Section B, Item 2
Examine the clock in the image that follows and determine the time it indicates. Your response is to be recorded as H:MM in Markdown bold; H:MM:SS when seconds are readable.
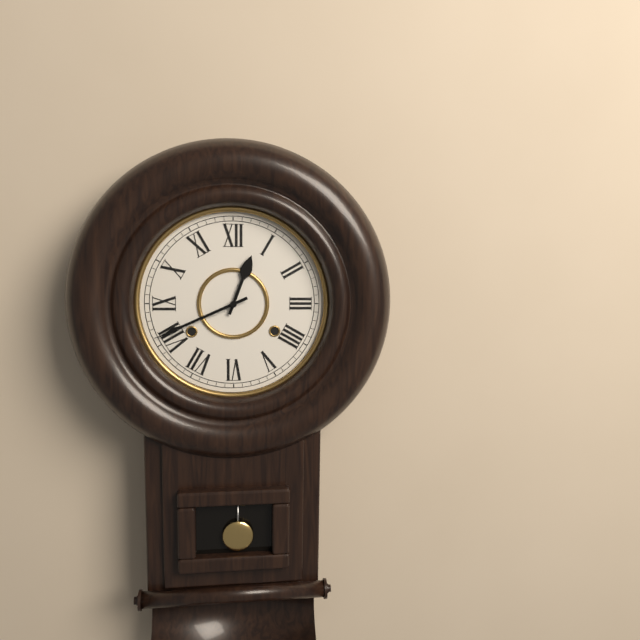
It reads **12:41**
